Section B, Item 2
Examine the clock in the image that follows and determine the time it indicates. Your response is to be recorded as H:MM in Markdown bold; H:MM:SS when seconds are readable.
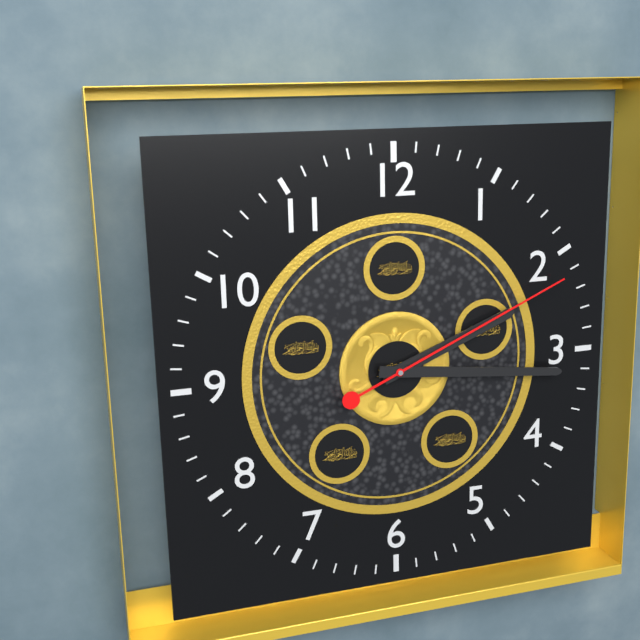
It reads **2:16:11**
